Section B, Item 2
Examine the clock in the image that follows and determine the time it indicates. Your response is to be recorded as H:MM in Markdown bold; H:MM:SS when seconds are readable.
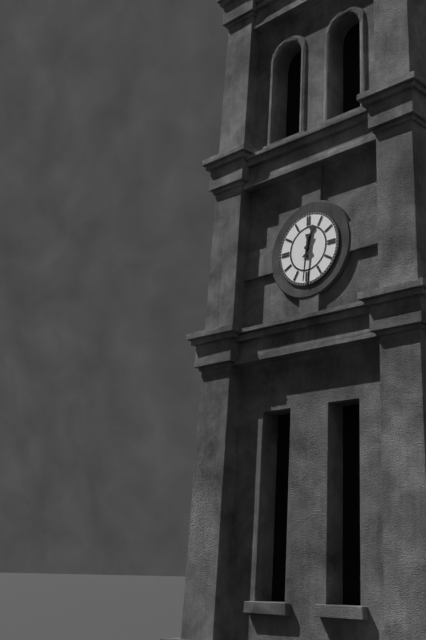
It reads **12:31**
